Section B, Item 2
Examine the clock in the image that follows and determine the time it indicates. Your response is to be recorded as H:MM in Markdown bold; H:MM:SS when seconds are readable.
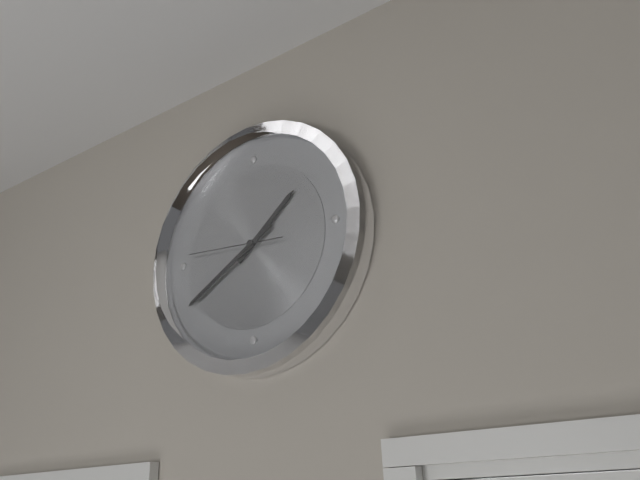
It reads **1:40:46**
